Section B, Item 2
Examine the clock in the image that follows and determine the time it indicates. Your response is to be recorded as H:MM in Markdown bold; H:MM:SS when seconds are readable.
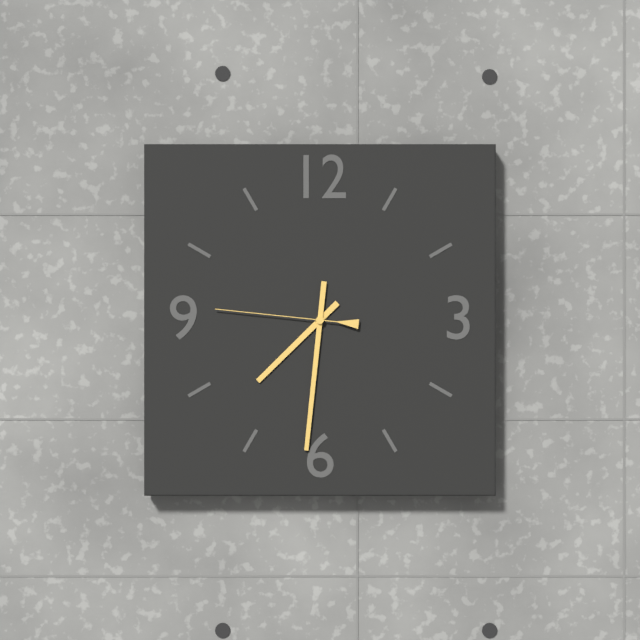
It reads **7:31:46**
